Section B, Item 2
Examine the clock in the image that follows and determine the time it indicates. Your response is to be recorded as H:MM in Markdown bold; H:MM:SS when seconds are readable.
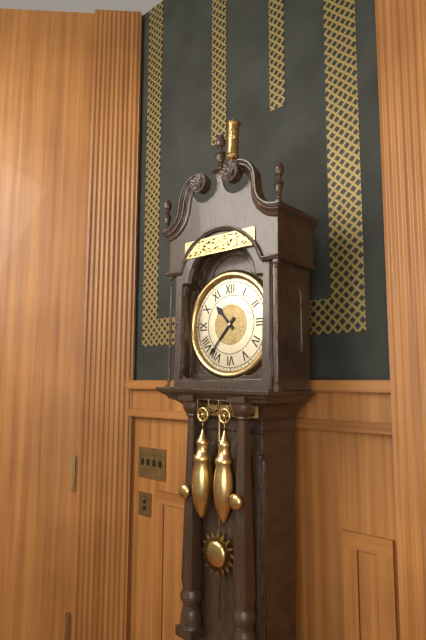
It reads **10:37**
